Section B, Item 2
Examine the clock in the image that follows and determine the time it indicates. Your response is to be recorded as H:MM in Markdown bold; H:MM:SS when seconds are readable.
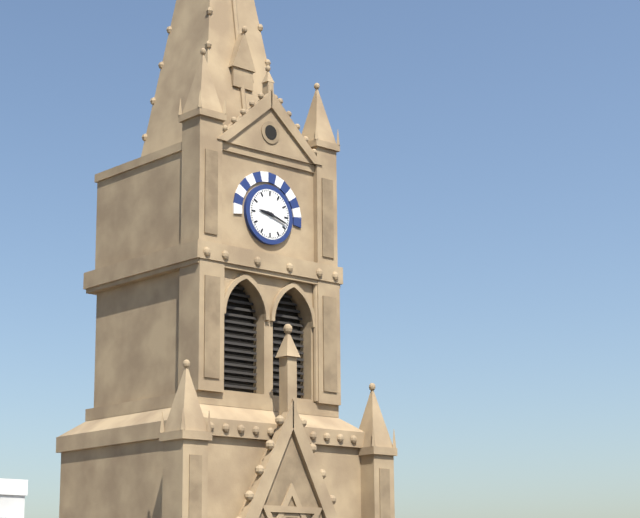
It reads **9:18**
